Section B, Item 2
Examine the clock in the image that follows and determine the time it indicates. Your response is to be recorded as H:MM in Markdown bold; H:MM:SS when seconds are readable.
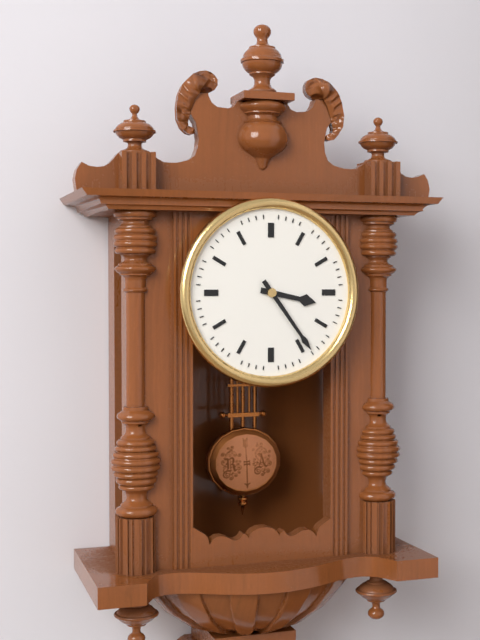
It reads **3:24**
